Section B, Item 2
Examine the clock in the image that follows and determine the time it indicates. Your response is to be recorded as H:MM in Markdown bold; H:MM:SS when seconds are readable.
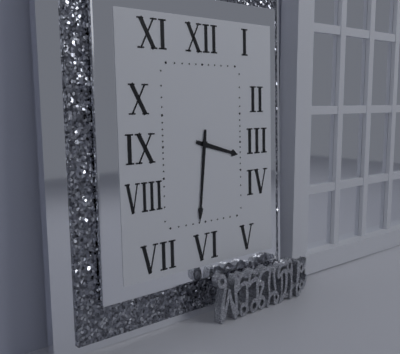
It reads **3:31**
